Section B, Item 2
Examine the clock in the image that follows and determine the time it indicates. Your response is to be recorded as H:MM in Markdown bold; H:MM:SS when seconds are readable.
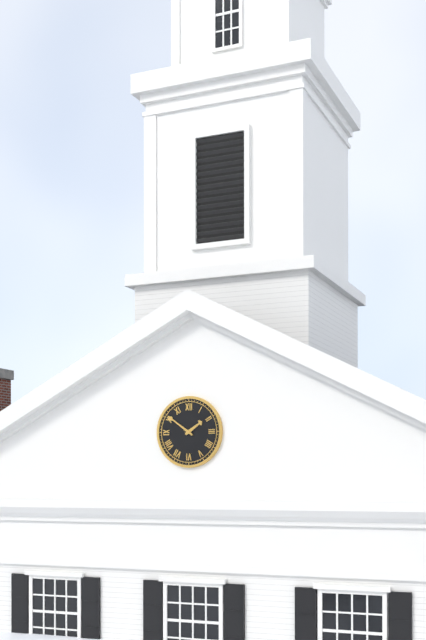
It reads **1:51**
